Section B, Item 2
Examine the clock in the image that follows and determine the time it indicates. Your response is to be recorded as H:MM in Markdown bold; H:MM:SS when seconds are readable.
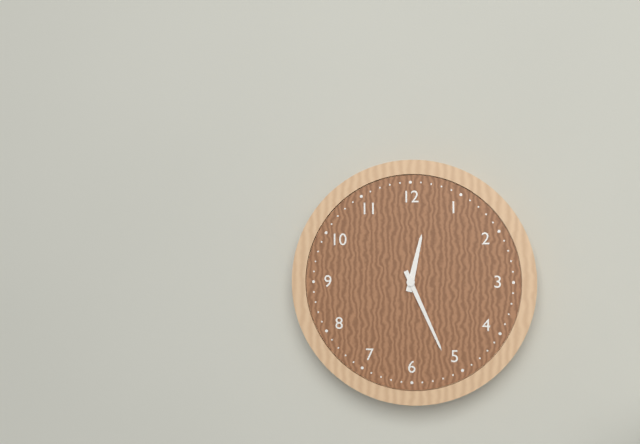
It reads **12:26**
